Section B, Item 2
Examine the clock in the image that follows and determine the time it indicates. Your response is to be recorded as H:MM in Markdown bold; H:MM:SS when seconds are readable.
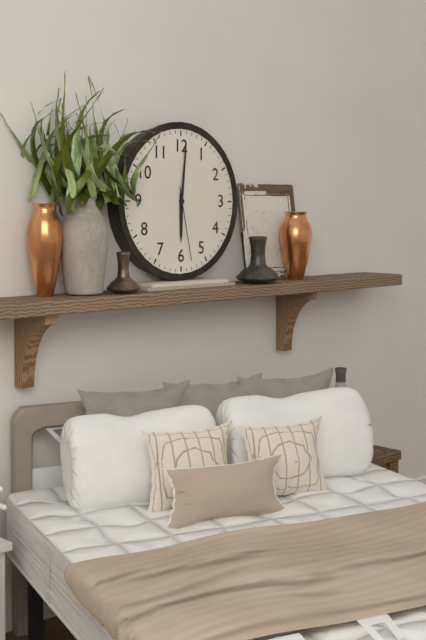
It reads **6:01:28**
